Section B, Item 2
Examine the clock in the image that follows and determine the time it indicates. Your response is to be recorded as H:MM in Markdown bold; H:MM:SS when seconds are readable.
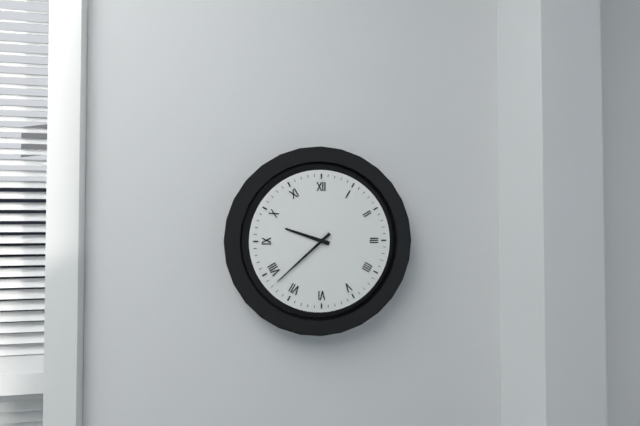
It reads **9:38**
